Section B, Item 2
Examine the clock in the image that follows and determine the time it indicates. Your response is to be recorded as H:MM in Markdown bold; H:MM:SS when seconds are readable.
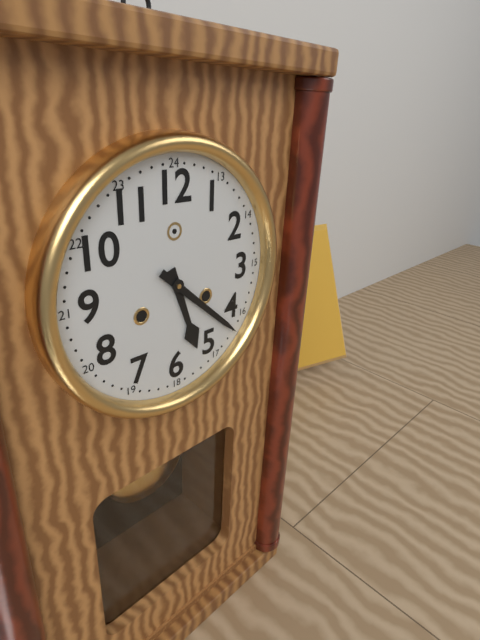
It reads **5:22**
